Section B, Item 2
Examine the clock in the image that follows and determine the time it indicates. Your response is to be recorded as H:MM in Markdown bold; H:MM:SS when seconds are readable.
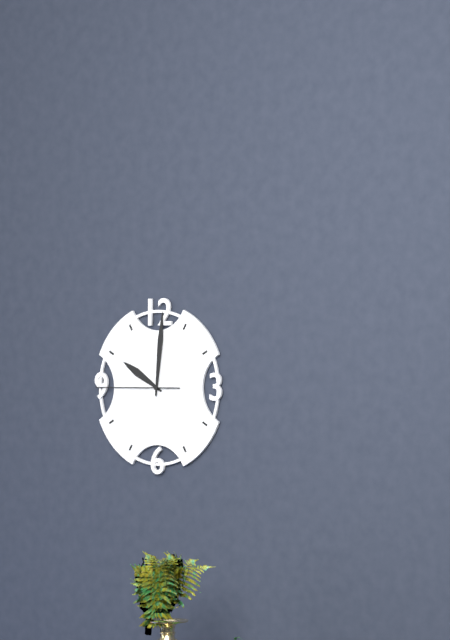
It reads **10:01:45**
